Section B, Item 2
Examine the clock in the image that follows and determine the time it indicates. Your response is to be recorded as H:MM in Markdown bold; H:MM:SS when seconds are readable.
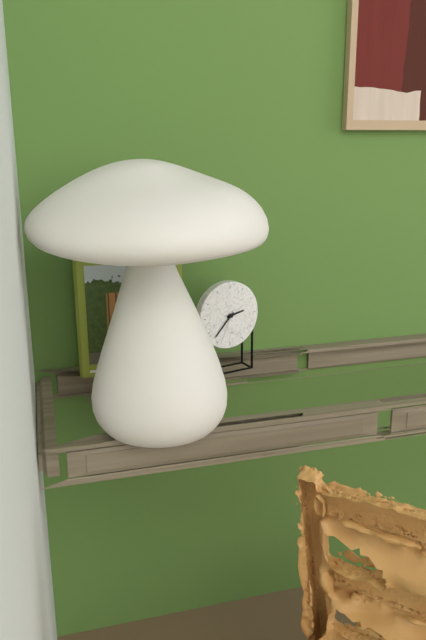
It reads **2:37**
